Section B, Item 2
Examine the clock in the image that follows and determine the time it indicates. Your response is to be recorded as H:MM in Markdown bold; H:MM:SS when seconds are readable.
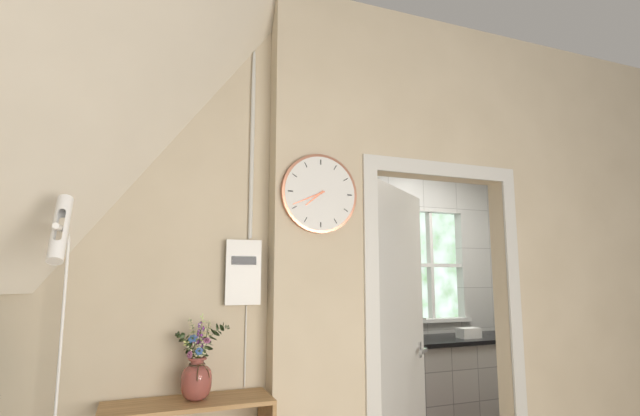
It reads **7:41**
